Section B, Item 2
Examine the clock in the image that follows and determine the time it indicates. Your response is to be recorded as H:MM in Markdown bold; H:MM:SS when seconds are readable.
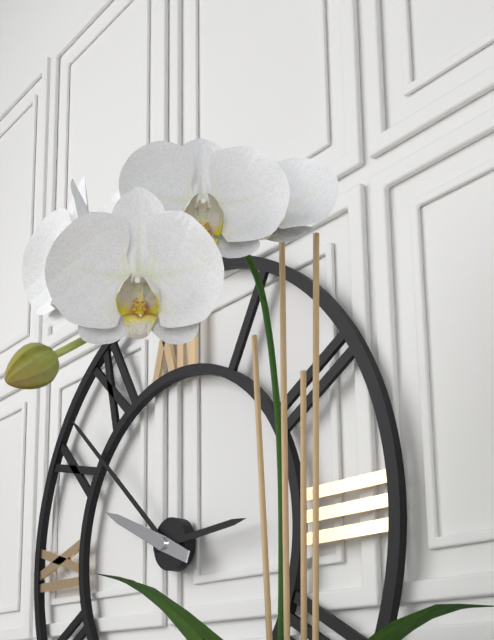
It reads **2:52:49**
